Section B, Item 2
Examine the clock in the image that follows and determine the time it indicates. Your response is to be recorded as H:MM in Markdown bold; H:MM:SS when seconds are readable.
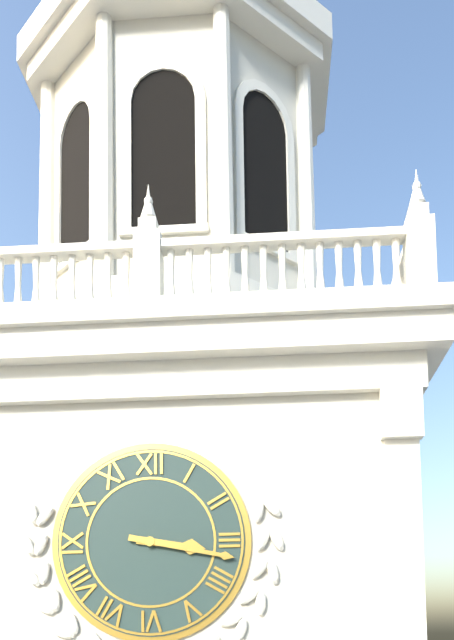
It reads **3:17**
